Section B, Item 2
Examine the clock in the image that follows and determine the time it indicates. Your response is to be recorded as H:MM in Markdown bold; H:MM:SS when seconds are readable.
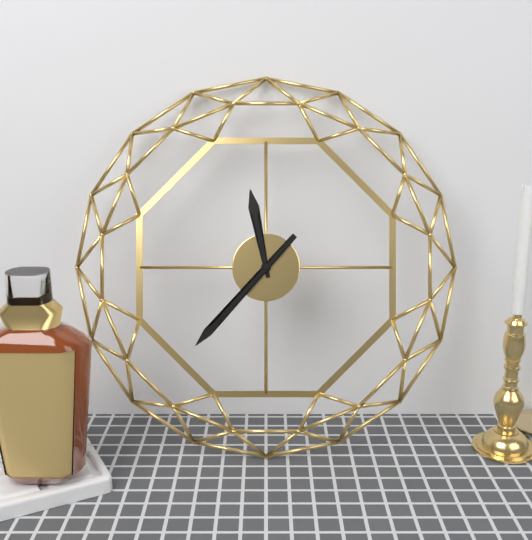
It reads **11:37**
